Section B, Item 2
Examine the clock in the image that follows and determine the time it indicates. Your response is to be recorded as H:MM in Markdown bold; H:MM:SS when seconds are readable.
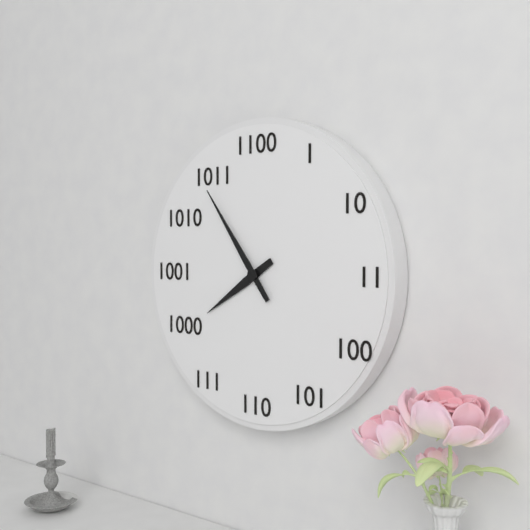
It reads **7:54**
